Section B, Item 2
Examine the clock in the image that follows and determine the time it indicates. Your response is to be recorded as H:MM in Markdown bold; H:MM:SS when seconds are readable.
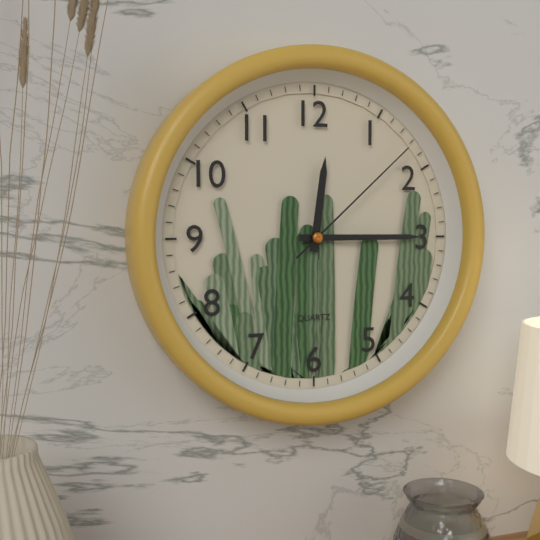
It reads **12:15:08**
